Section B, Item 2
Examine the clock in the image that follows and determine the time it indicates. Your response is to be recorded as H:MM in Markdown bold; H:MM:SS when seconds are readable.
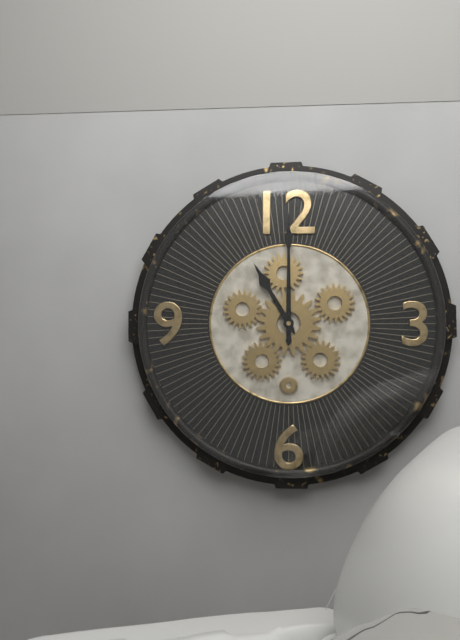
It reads **11:00**
